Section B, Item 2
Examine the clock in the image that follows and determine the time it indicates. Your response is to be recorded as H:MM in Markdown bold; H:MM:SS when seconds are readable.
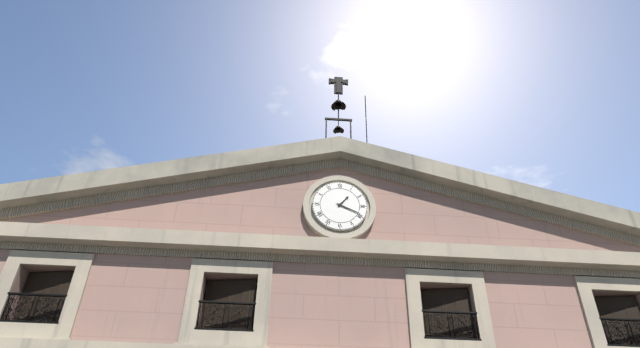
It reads **1:19**
